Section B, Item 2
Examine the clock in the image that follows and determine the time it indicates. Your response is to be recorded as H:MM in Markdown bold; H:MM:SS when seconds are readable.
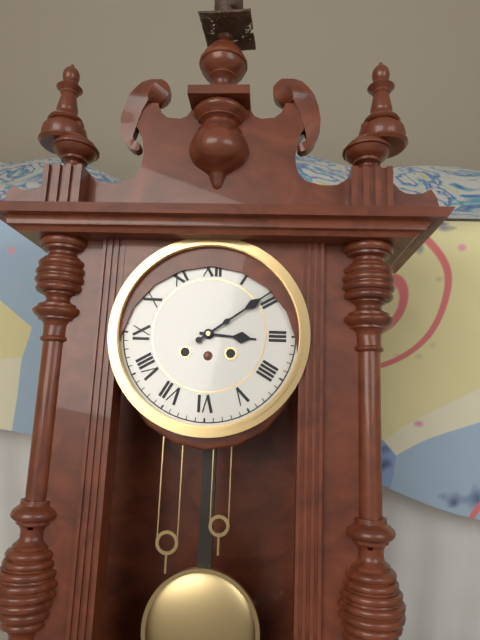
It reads **3:09**
